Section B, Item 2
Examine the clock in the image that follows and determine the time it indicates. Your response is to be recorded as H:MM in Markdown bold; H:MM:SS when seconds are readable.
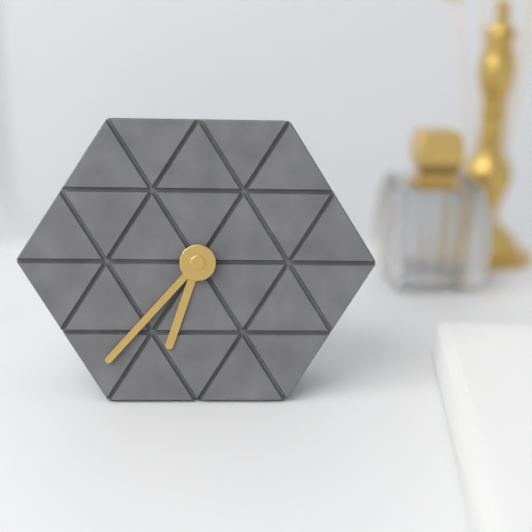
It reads **6:37**
